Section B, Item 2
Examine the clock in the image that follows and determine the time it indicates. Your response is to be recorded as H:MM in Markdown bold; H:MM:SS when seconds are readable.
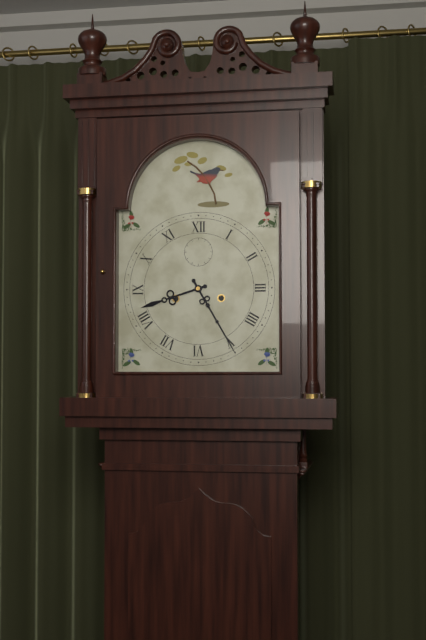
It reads **8:25**
